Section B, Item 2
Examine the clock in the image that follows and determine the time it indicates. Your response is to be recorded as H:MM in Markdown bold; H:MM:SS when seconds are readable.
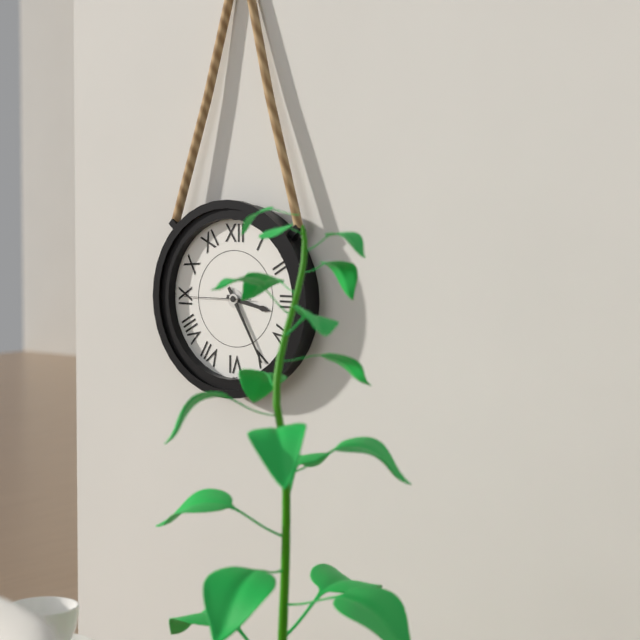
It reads **3:25:45**
